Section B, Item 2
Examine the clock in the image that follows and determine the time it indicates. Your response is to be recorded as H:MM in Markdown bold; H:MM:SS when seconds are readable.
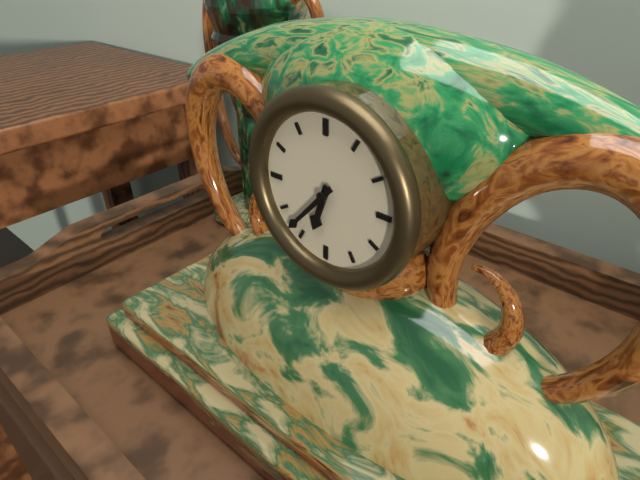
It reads **6:37**
